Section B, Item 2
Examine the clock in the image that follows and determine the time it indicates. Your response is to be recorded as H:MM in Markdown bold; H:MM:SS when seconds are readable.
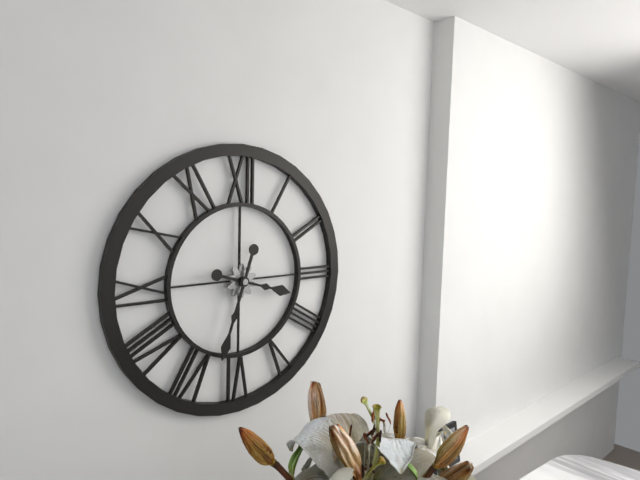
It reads **3:33**
